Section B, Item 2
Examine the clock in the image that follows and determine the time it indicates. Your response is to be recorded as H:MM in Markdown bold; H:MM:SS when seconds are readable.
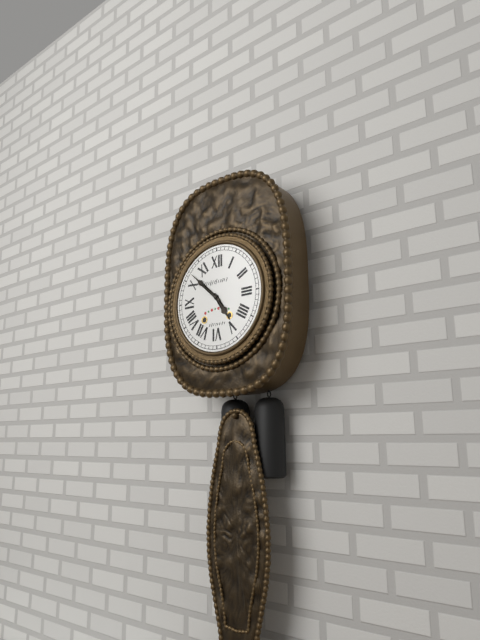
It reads **4:52**
